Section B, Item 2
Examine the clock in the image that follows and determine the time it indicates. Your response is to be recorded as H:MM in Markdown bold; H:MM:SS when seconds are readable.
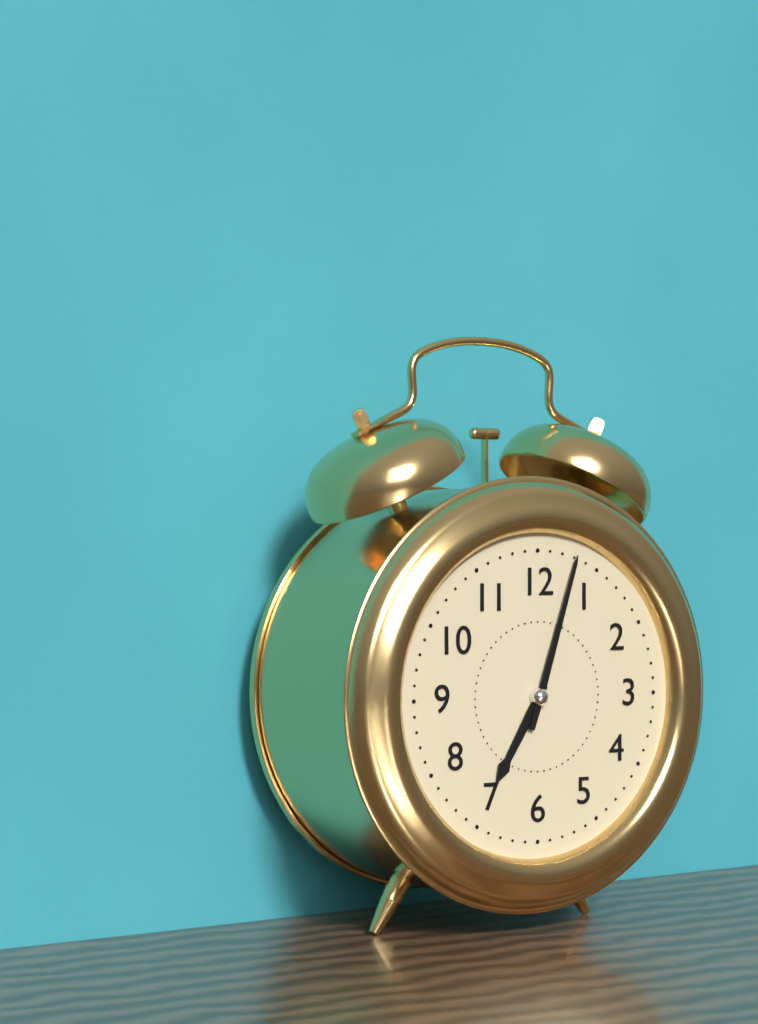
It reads **7:03**
